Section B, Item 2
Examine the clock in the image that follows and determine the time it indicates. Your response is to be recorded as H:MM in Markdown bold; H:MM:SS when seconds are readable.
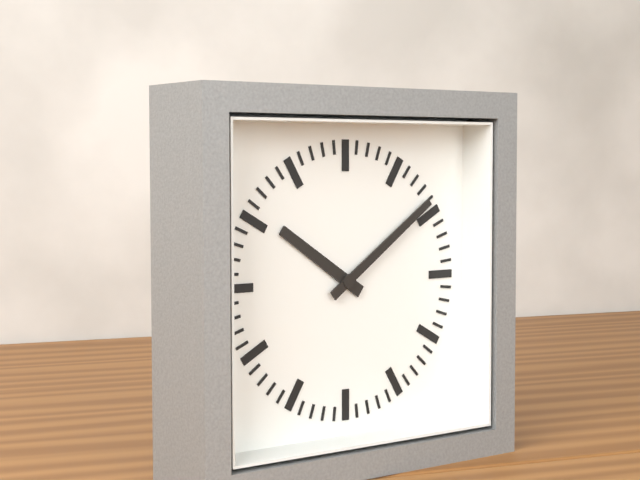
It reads **10:09**
